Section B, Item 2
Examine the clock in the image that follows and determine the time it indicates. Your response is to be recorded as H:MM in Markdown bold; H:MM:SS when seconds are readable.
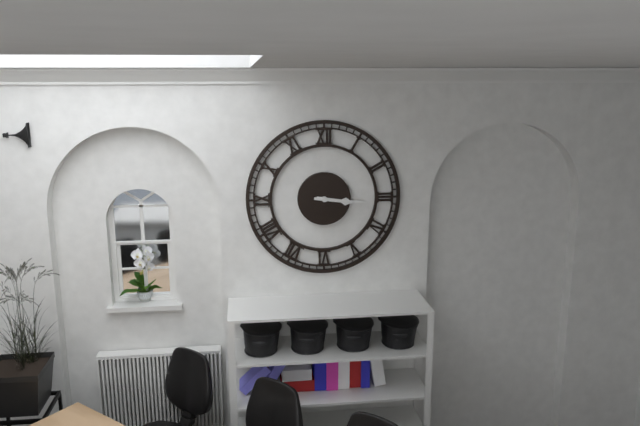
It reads **3:16**
